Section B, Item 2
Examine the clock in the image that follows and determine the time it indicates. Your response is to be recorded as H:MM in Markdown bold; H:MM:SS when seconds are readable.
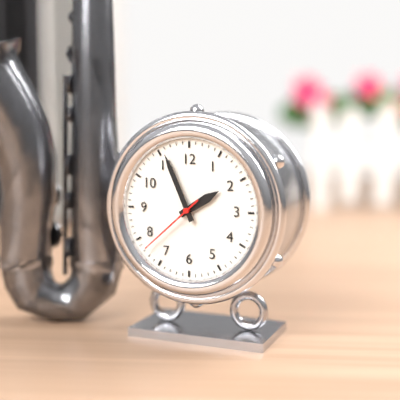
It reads **1:56:38**
